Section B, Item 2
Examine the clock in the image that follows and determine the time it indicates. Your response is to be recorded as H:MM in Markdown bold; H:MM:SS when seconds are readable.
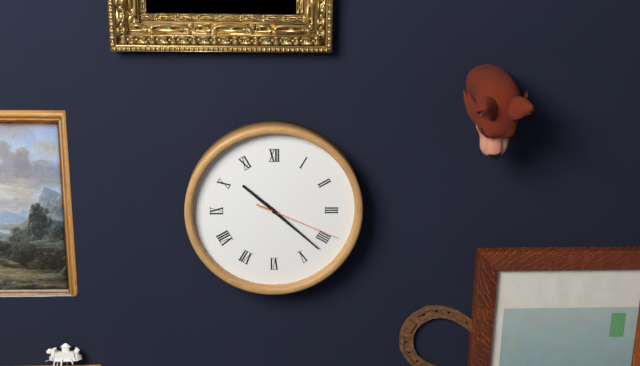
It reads **10:22:19**
